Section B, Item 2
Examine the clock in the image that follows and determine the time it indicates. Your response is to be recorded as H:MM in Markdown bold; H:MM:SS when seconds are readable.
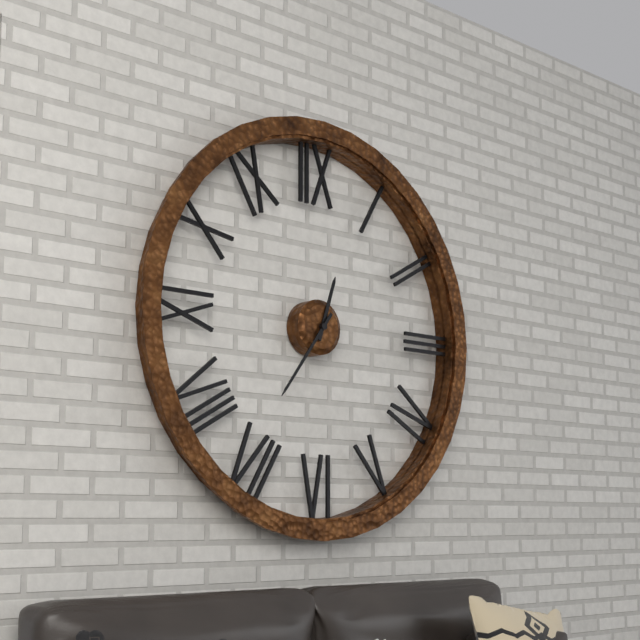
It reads **12:36**
